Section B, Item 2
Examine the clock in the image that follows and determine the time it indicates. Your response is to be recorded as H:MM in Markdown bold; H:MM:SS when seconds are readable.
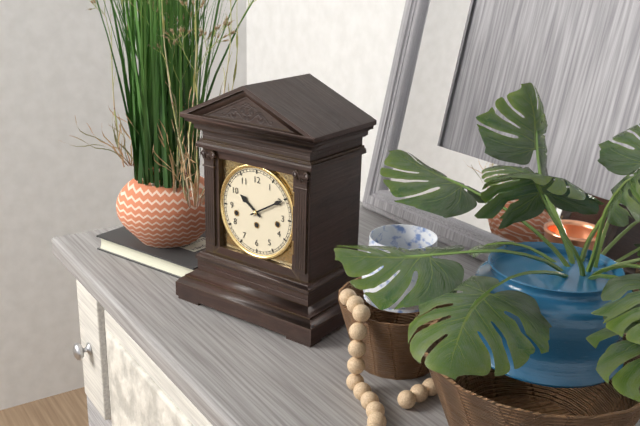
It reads **10:10**
